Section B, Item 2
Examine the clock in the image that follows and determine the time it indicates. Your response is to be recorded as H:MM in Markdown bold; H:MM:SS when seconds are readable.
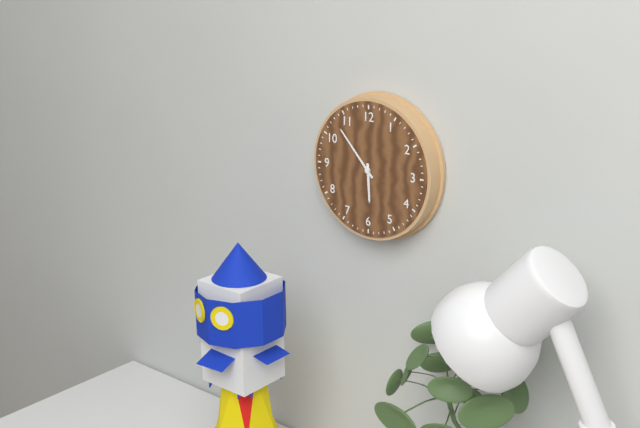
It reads **5:53**
